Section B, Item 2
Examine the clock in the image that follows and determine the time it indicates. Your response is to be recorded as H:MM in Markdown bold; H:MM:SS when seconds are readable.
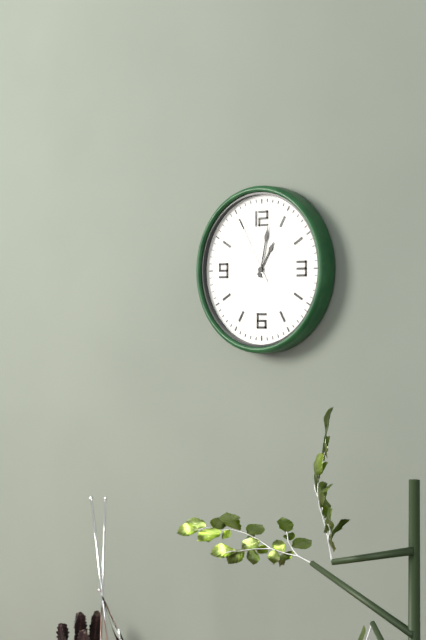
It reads **1:02:55**
